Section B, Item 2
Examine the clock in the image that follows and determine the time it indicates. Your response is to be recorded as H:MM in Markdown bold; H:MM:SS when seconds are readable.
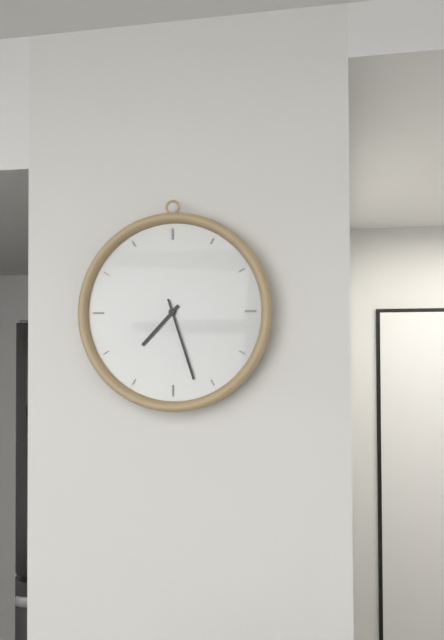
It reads **7:27**
